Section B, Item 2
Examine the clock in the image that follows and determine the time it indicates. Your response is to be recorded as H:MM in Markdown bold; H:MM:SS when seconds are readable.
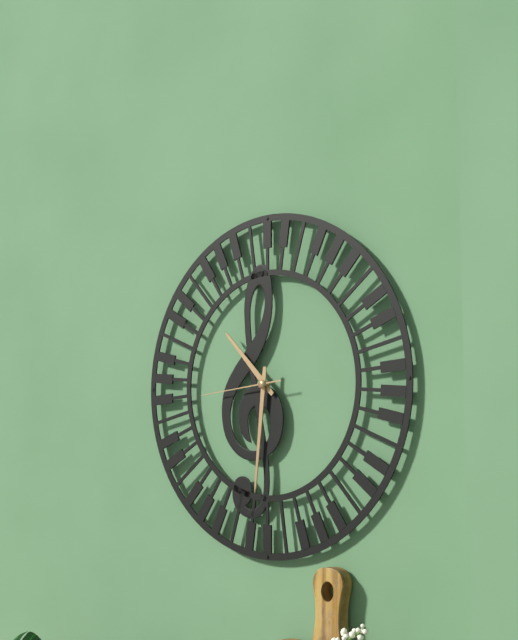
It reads **10:31:44**
